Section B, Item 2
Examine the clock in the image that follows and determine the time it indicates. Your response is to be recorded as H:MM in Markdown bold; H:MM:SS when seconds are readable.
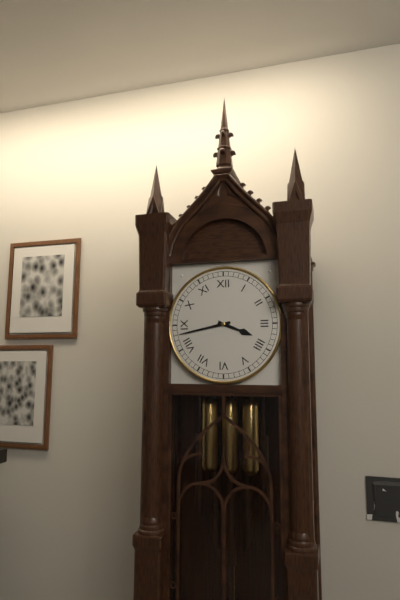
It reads **3:43**
